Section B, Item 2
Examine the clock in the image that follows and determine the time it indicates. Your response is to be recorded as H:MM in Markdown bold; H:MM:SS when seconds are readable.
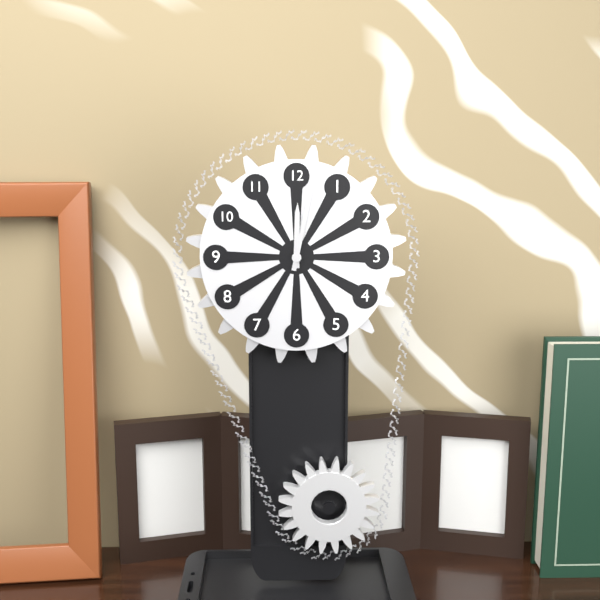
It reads **12:02**
